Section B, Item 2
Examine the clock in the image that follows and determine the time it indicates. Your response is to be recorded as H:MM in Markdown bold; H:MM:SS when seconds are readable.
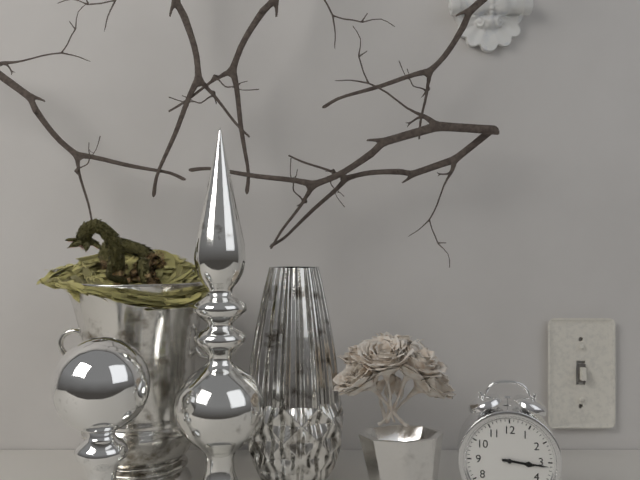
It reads **3:16**
